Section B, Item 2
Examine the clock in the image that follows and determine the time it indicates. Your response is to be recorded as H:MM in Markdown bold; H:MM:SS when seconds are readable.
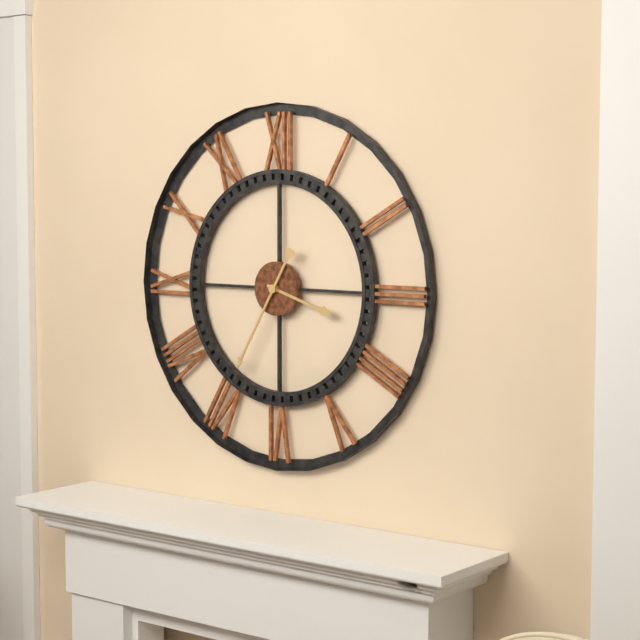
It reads **3:35**
